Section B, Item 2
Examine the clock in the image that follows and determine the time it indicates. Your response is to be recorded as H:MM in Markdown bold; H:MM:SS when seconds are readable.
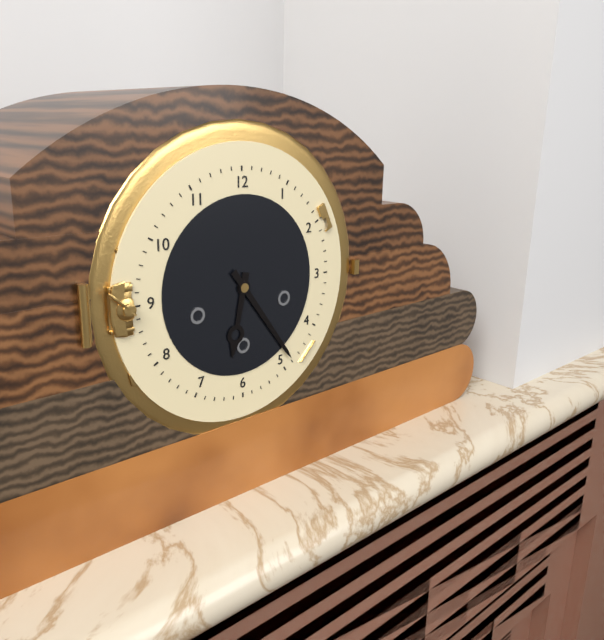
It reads **6:24**
